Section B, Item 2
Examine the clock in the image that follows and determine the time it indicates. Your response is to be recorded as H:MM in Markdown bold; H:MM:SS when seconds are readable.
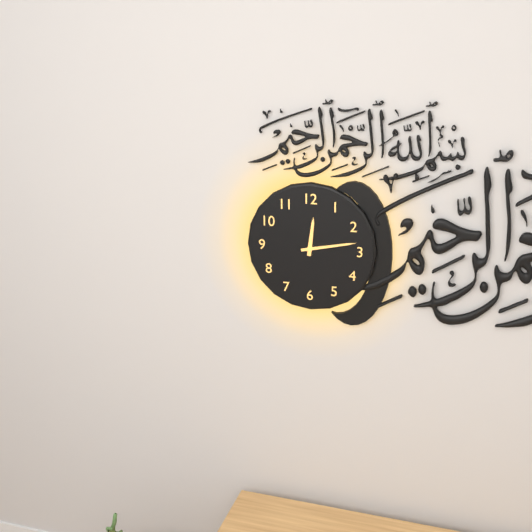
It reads **12:13**
